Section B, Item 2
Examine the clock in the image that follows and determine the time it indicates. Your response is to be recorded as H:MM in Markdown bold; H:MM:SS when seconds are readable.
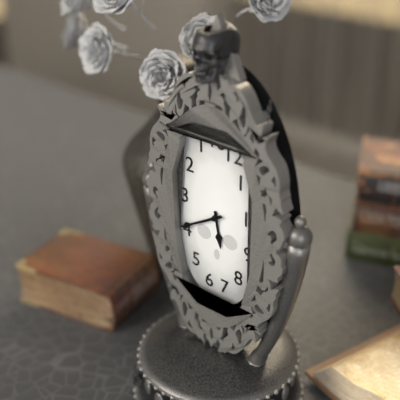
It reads **5:40**
